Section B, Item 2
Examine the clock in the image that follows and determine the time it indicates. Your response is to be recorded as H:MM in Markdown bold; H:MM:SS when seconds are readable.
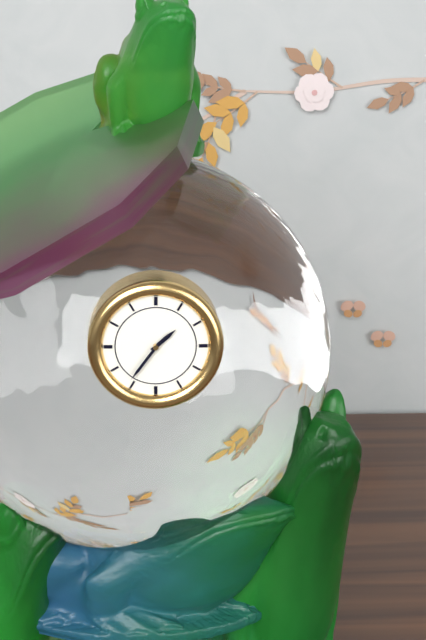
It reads **1:36**
